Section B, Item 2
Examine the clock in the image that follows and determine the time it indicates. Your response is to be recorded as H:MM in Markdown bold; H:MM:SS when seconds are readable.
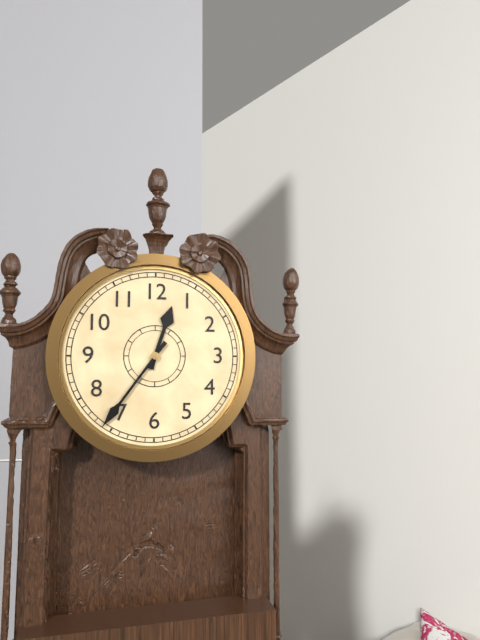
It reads **12:36**
